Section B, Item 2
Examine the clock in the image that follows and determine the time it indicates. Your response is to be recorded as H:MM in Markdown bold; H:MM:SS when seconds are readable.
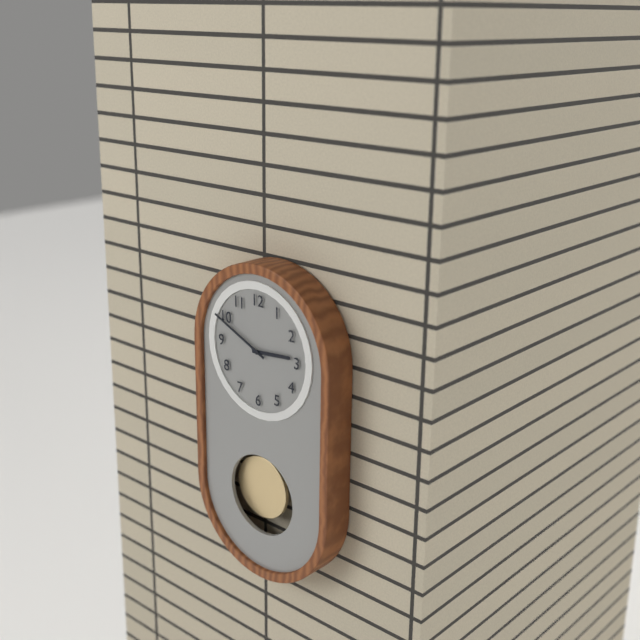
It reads **2:49**
